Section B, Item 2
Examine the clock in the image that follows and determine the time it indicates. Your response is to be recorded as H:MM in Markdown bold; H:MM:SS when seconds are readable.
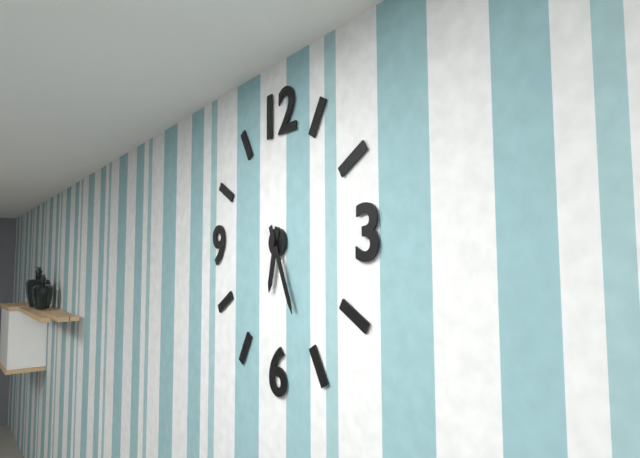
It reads **6:26**
